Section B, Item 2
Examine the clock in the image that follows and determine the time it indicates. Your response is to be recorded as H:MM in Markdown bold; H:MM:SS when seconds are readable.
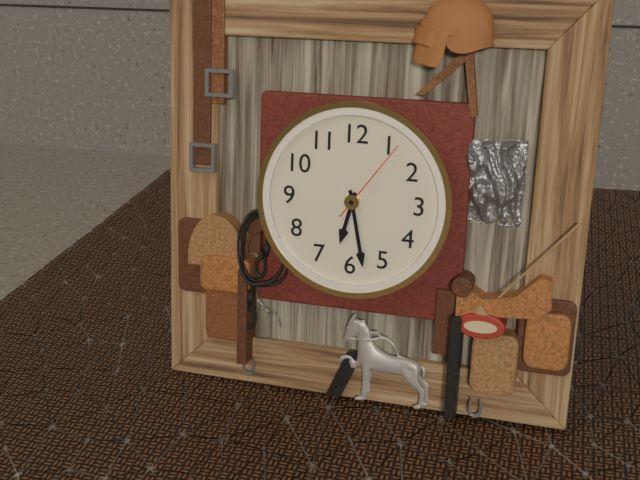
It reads **6:28:06**
